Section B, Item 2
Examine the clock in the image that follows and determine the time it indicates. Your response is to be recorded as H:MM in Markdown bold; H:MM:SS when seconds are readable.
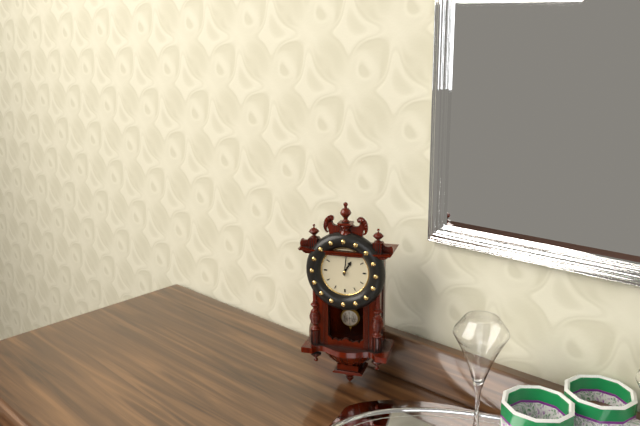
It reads **1:01**
